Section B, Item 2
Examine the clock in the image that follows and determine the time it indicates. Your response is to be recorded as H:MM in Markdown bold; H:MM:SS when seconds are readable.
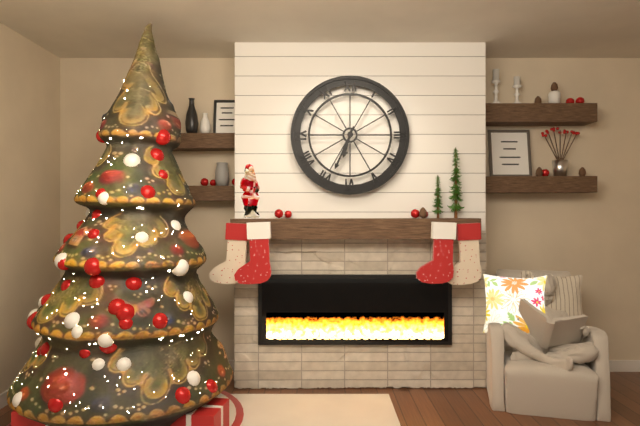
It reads **6:34**
